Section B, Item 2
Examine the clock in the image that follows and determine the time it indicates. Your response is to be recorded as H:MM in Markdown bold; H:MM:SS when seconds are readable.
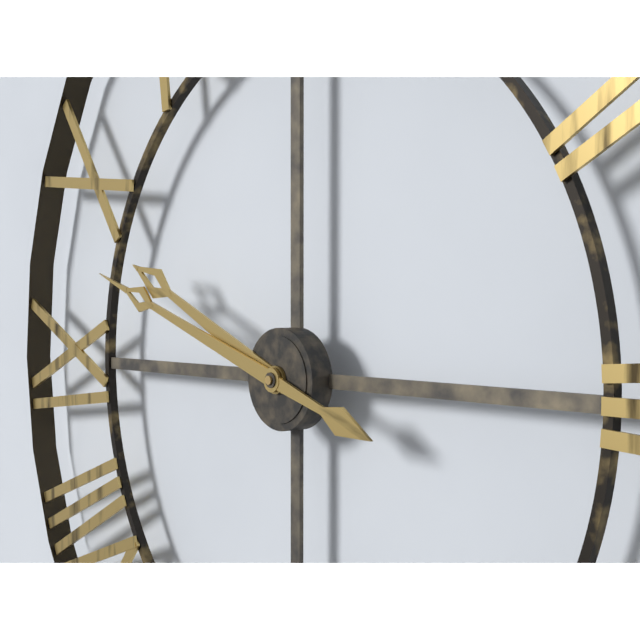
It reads **9:48**
